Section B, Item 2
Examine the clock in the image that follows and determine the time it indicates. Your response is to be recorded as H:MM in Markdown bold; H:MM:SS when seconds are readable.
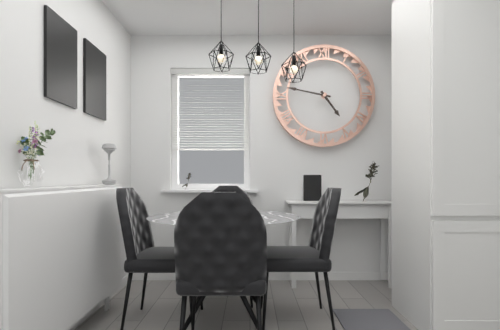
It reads **4:47**
